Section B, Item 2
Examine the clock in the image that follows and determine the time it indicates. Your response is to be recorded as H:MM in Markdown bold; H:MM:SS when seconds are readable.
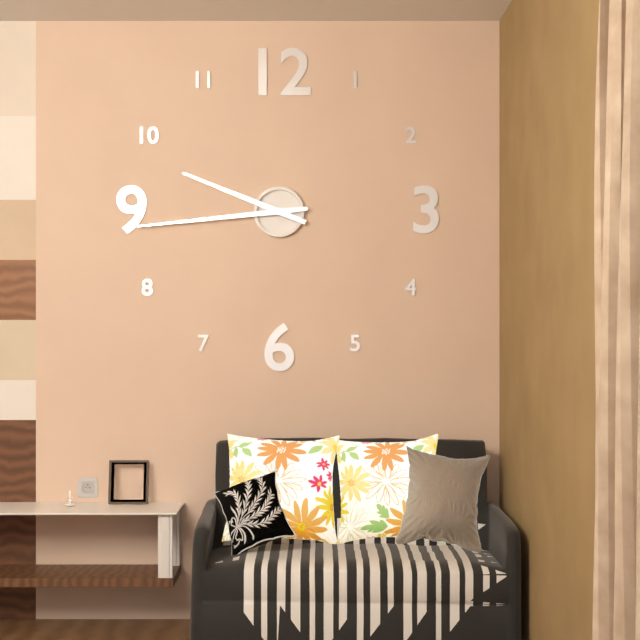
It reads **9:44**
